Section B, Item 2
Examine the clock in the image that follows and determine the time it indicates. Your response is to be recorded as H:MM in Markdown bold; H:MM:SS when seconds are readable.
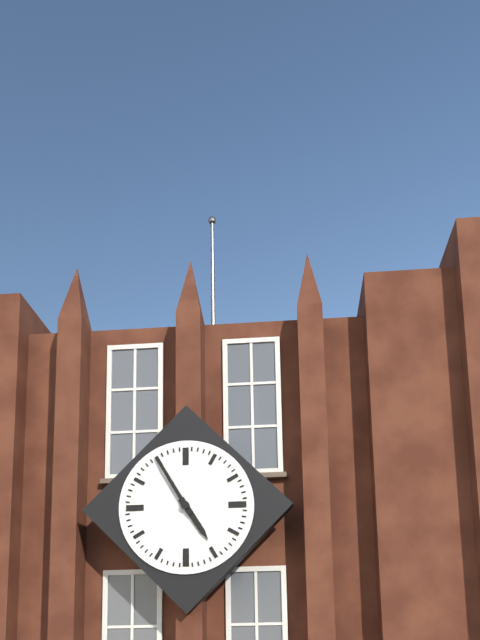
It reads **4:55**
